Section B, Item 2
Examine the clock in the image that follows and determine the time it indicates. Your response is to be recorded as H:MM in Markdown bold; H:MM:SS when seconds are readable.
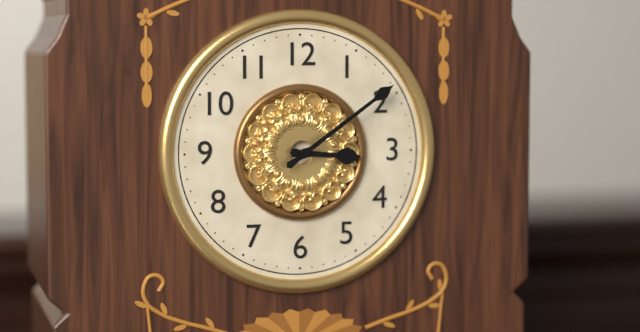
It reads **3:09**
